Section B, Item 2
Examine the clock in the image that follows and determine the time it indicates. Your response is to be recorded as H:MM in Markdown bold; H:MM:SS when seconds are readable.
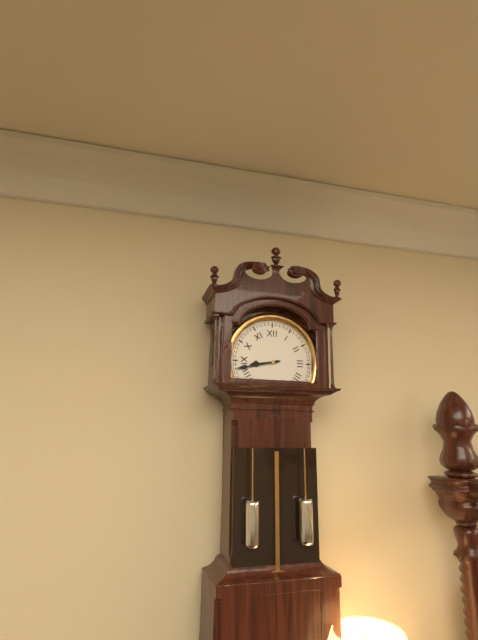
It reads **8:43**
